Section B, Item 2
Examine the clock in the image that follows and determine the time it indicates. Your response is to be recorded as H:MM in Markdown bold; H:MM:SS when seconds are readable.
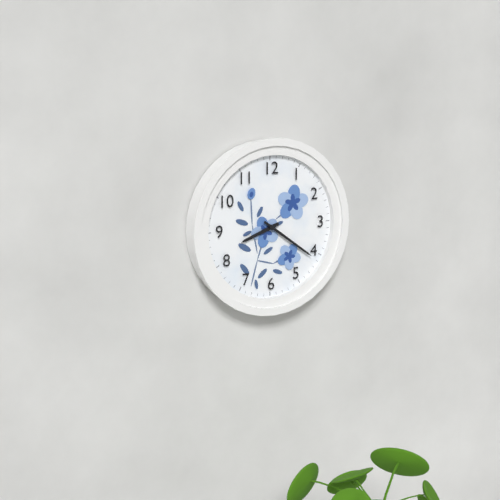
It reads **8:21**
